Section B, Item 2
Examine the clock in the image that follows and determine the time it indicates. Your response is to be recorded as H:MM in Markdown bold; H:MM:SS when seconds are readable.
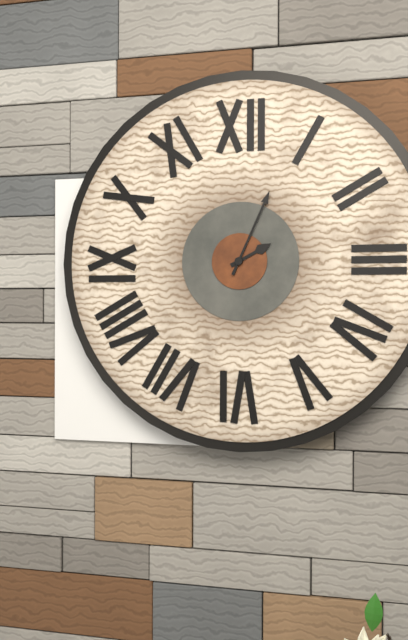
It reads **2:04**
